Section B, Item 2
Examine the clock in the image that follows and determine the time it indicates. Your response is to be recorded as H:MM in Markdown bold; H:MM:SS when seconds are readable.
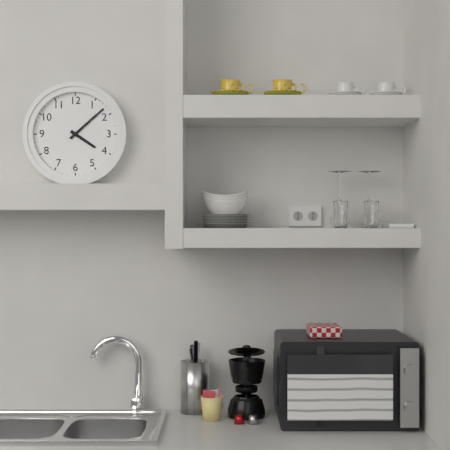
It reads **4:08**
